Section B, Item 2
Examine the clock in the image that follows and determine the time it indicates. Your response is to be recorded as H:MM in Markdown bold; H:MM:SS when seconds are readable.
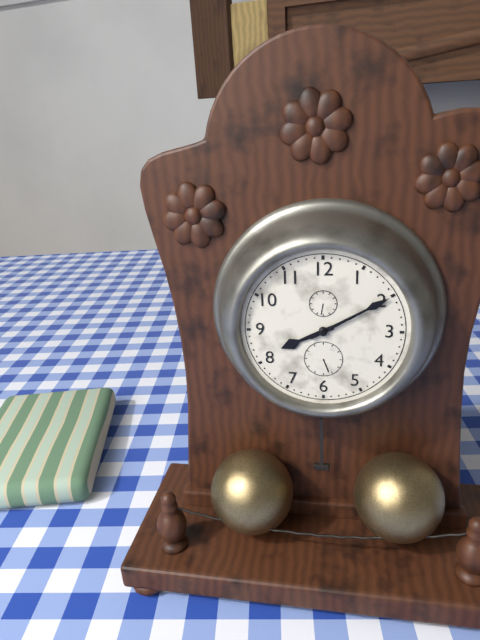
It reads **8:10**
